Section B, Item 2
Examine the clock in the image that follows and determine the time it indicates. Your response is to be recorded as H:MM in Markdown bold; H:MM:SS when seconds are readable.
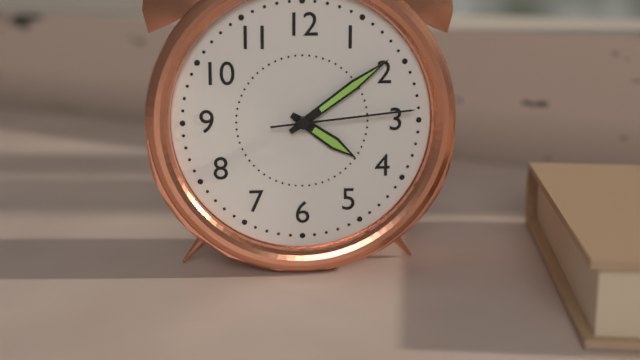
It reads **4:09:14**
